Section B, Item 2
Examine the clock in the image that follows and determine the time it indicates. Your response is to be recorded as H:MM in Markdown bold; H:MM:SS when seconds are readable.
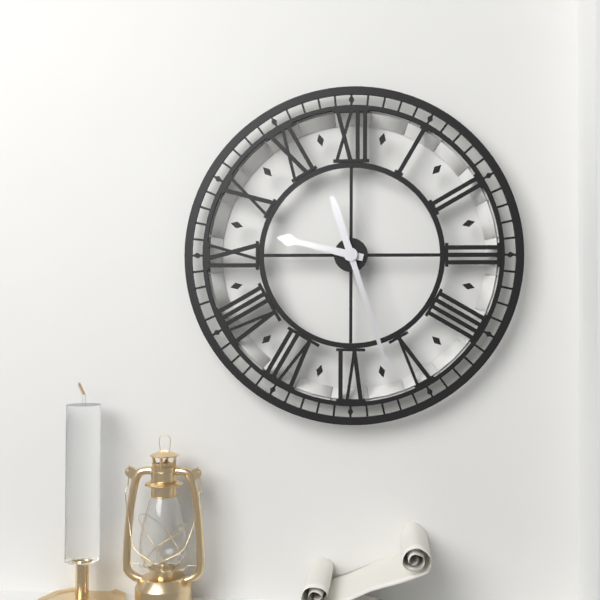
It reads **9:27**
